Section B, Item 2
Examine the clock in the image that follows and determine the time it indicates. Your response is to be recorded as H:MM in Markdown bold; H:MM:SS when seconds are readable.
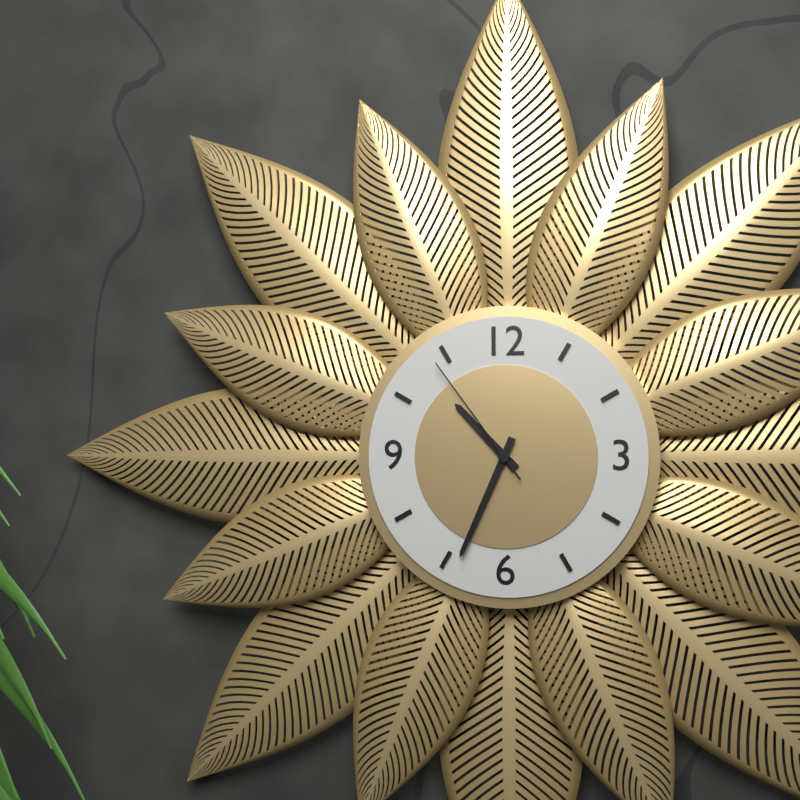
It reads **10:34:54**
